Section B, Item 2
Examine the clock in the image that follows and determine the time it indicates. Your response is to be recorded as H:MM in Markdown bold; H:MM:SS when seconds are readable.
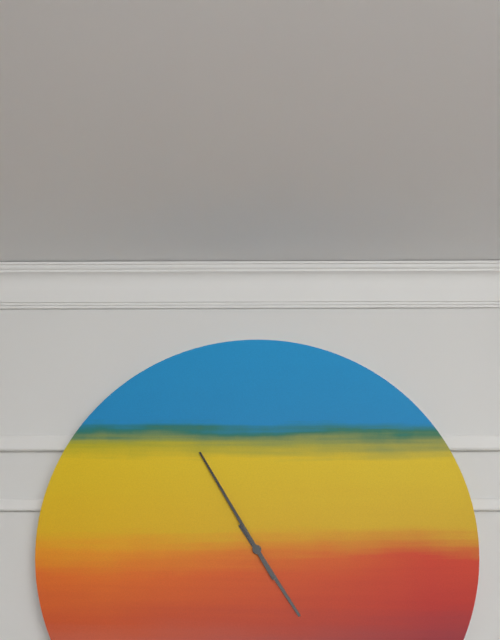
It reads **4:55**
